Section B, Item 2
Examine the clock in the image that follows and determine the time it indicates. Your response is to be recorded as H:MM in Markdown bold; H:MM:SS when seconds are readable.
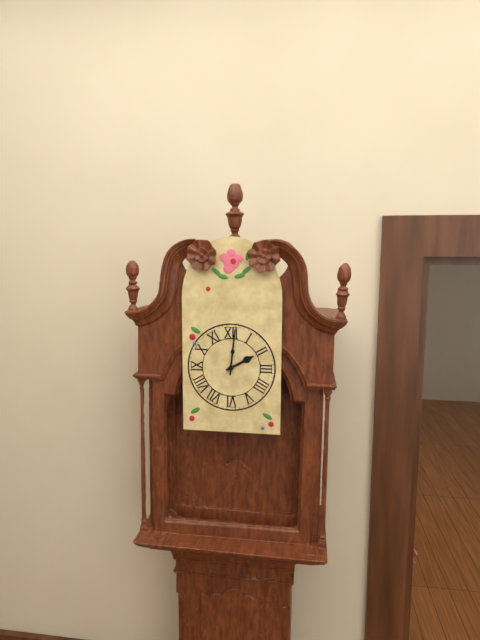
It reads **2:01**
